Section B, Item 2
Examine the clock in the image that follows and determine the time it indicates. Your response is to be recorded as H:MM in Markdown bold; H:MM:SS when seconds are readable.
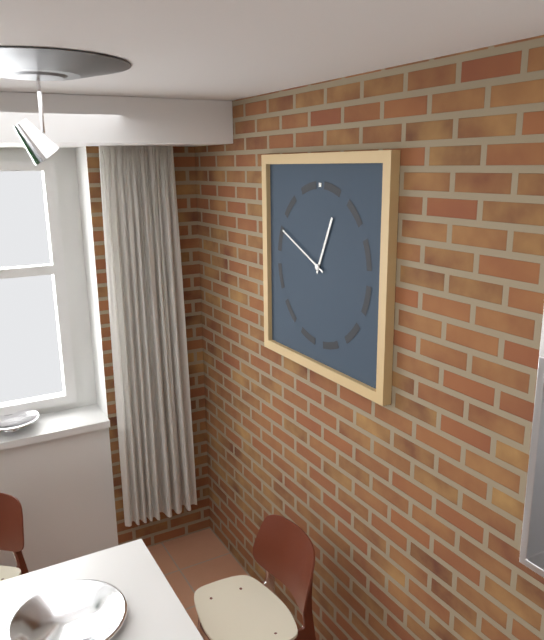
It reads **12:49**
